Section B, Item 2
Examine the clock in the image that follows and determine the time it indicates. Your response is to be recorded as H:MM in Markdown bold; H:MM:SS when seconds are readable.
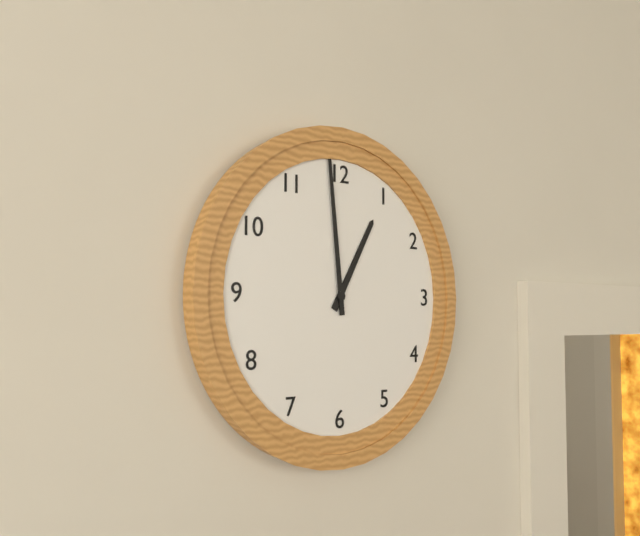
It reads **12:59**
